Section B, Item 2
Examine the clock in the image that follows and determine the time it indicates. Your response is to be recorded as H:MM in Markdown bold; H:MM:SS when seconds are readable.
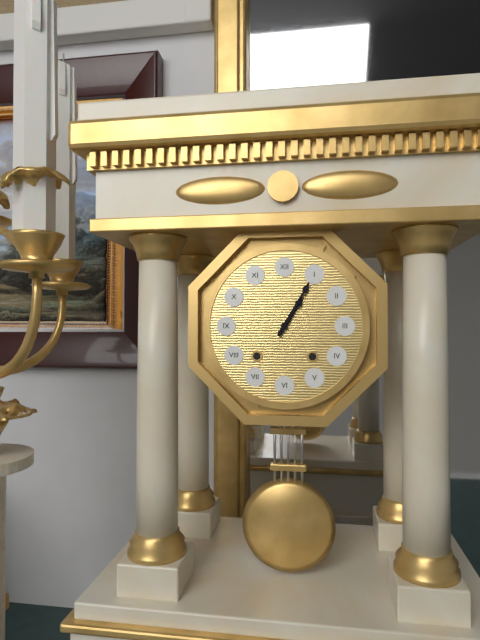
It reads **1:05**
